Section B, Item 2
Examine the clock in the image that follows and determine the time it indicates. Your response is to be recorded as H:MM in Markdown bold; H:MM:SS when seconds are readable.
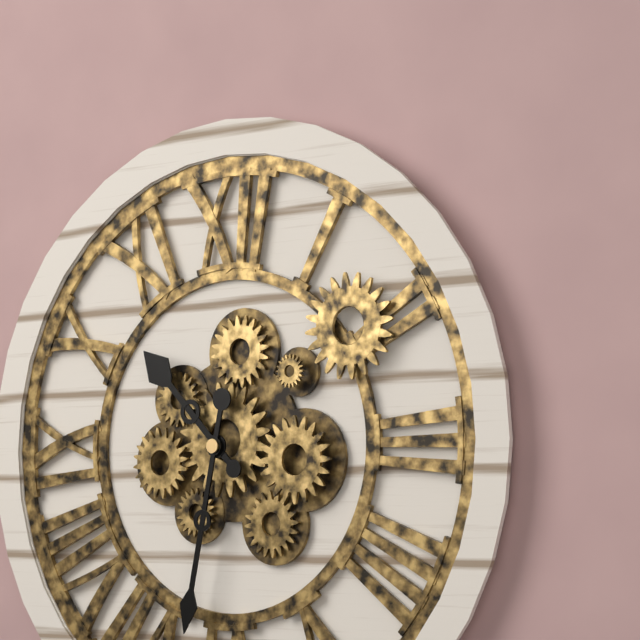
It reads **10:32**
